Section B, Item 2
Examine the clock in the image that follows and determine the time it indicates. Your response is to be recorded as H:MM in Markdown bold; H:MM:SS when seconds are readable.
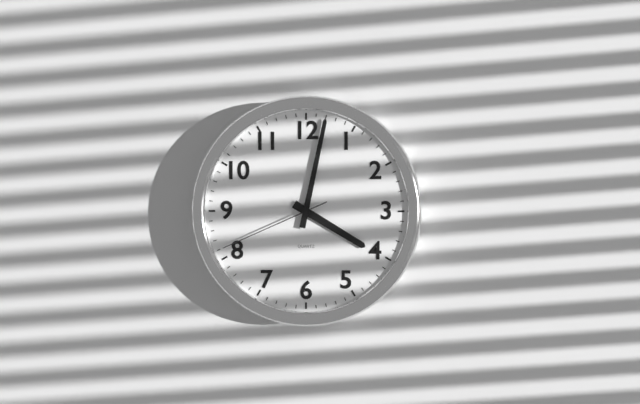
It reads **4:02:41**
